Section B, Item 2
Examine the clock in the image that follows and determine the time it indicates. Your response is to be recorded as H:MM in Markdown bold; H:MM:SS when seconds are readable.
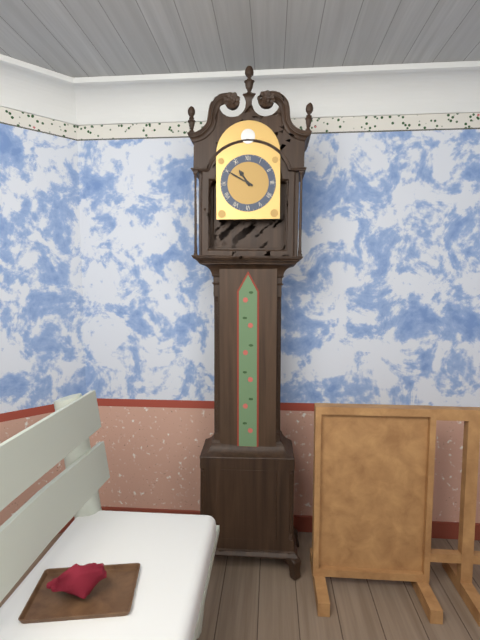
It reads **10:50**
